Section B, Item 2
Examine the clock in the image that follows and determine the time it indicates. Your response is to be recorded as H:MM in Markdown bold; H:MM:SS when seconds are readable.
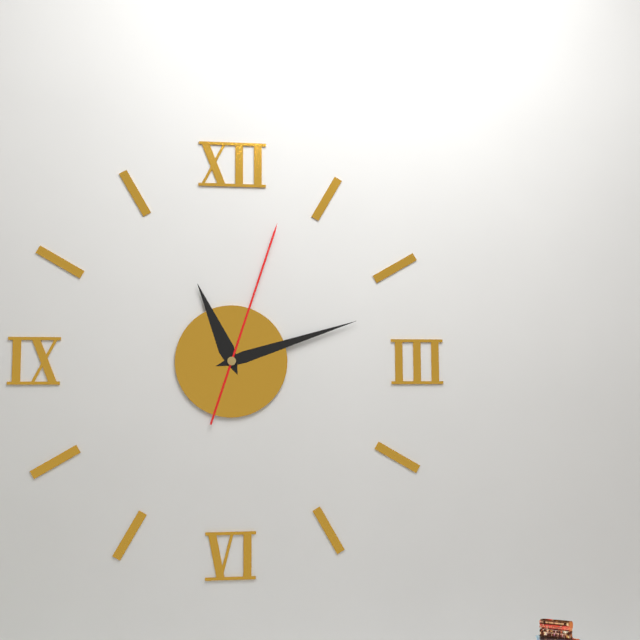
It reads **11:12:03**
